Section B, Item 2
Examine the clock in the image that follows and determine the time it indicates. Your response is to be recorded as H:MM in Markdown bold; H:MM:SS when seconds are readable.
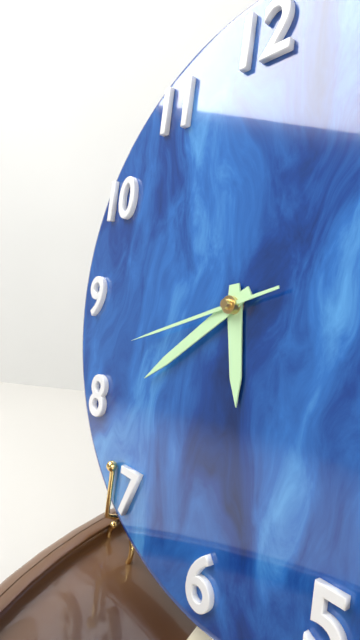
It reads **5:39:42**
